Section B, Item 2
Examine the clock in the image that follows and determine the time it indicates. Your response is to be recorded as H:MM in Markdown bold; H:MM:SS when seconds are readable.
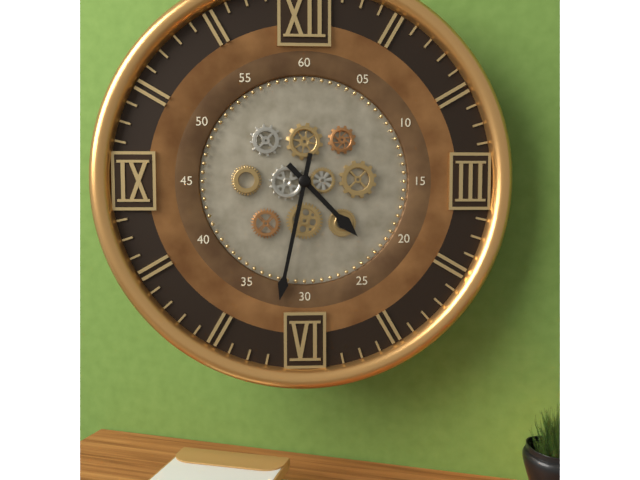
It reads **4:32**
